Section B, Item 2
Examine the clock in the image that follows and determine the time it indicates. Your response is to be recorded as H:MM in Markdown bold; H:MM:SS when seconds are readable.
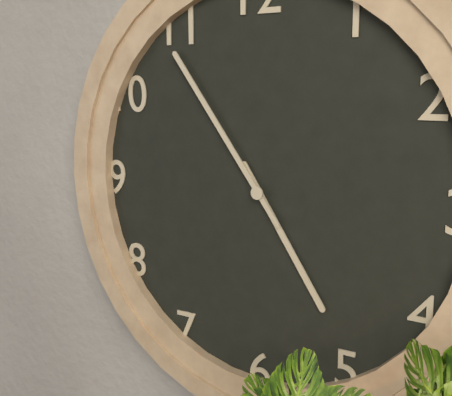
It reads **4:54**
